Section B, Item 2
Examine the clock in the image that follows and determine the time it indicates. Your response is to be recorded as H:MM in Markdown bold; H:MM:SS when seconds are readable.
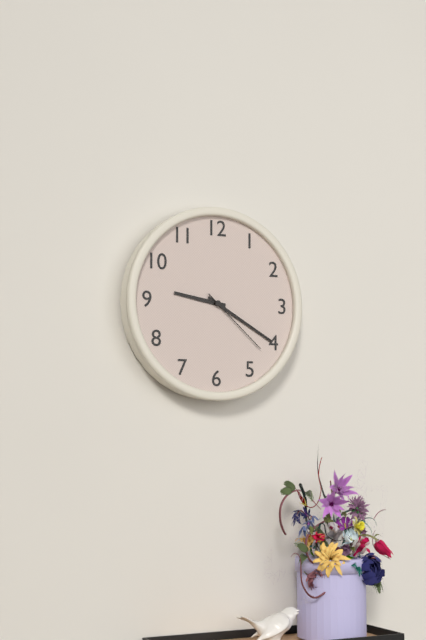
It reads **9:20:22**
